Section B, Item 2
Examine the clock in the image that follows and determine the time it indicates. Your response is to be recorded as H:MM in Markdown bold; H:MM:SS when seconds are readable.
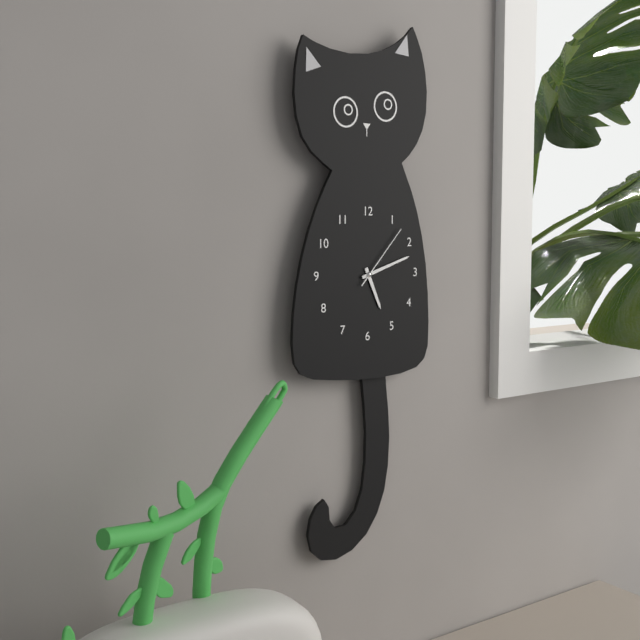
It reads **5:12:07**
